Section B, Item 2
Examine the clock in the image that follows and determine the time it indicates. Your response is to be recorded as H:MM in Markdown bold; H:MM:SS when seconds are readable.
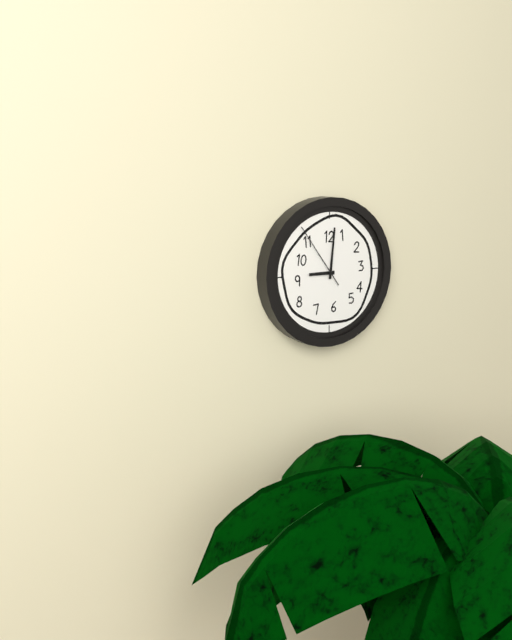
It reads **9:01:54**
